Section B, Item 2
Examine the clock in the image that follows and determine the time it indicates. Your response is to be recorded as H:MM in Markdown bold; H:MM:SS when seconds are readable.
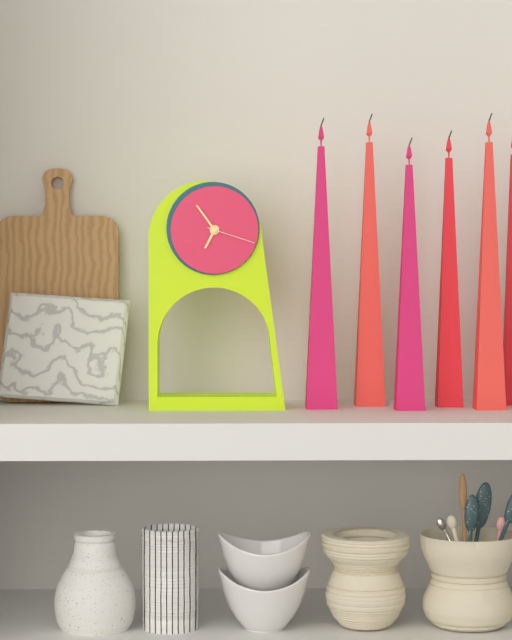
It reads **6:54:18**
